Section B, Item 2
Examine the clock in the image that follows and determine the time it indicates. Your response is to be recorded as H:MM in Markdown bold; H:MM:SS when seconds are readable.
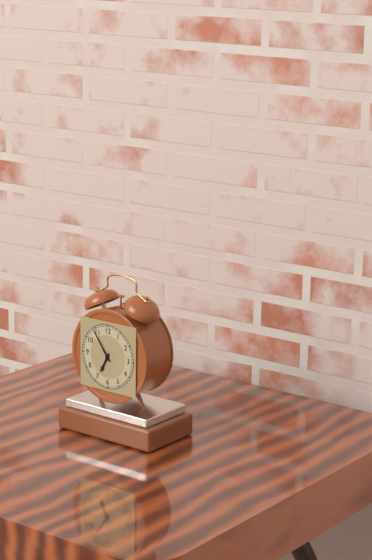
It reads **6:54**
